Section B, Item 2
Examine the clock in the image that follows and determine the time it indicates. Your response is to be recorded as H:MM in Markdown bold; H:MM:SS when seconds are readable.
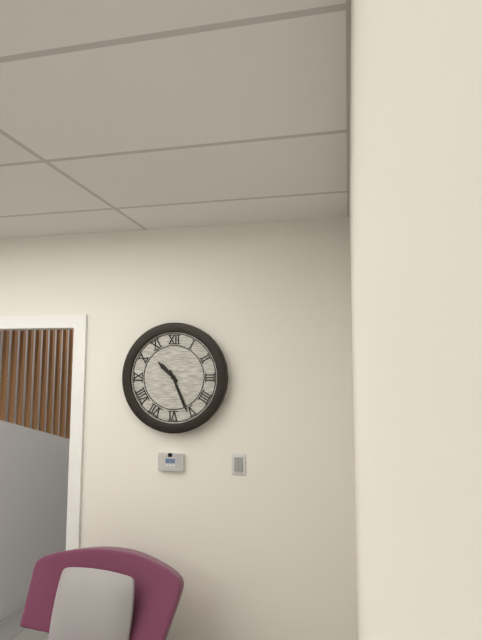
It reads **10:26**
